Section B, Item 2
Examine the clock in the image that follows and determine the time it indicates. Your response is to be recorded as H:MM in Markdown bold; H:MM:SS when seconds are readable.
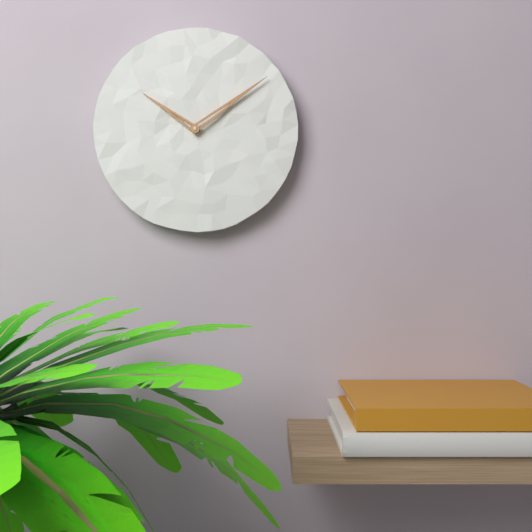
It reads **10:09**
